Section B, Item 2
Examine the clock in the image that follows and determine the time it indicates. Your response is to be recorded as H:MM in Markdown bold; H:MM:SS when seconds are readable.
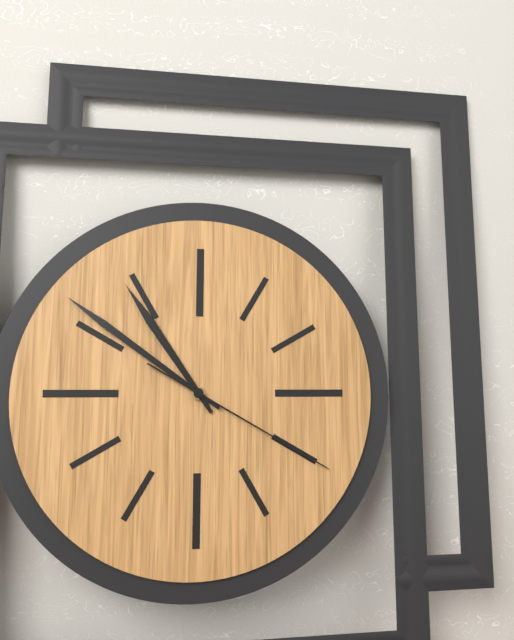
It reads **10:51:20**
